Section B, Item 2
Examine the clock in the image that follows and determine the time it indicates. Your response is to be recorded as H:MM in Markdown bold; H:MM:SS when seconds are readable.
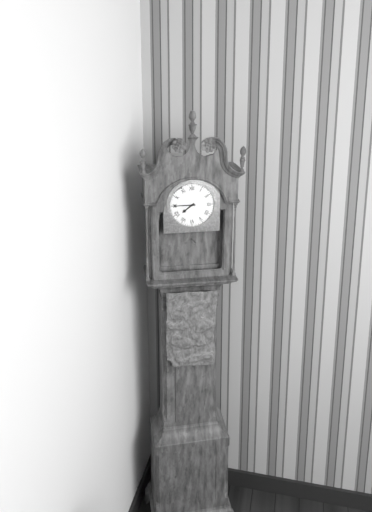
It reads **7:45**
